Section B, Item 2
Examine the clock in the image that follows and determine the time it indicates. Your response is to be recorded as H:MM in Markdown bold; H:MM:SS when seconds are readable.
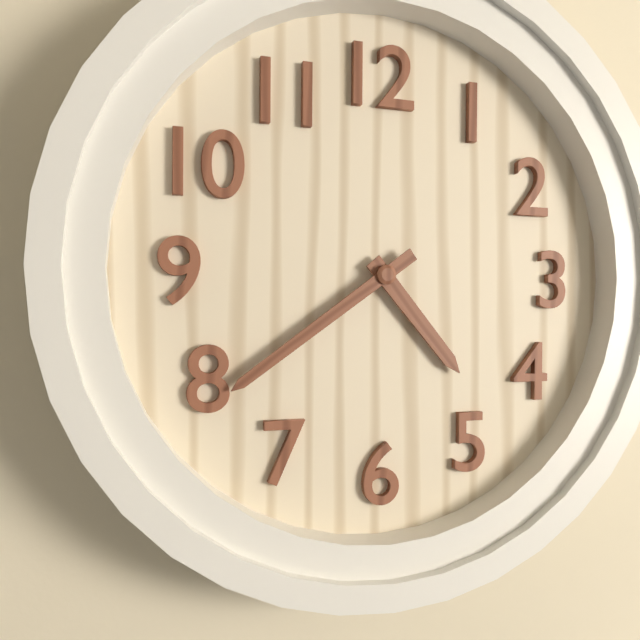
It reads **4:39**
